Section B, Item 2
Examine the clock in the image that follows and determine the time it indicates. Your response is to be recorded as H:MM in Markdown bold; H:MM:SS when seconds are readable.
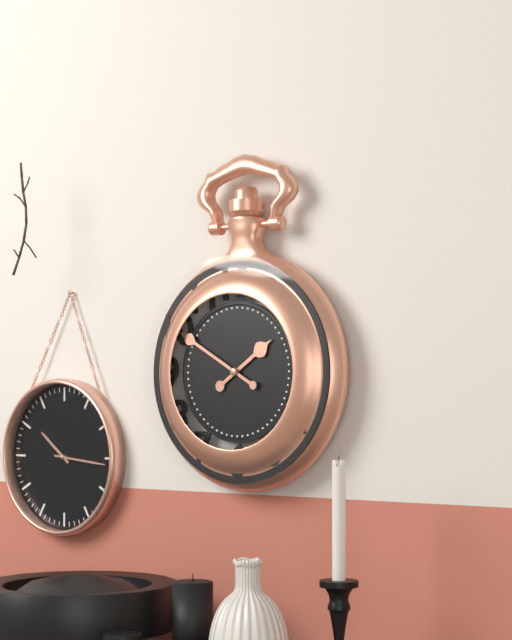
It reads **1:50**
